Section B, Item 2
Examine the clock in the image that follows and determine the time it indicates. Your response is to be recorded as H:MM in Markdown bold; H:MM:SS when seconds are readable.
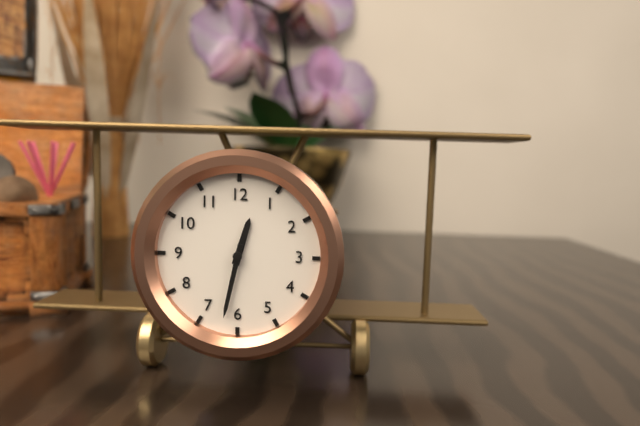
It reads **12:32**
